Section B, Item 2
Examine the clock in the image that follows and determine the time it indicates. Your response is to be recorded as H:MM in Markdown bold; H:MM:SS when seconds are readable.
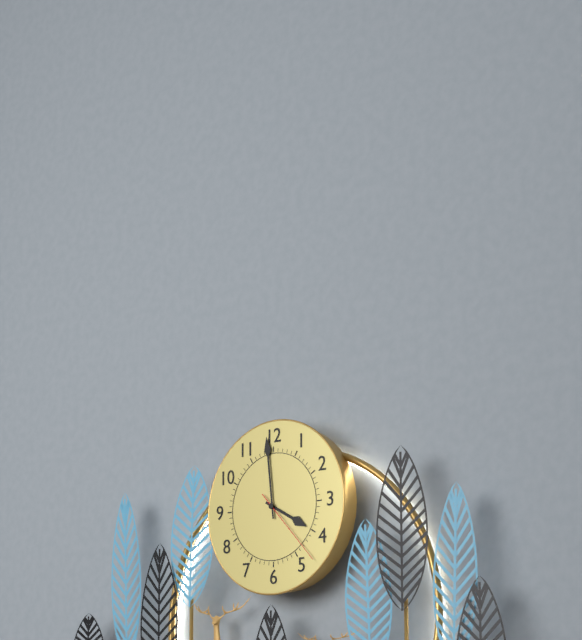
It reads **3:59:23**
